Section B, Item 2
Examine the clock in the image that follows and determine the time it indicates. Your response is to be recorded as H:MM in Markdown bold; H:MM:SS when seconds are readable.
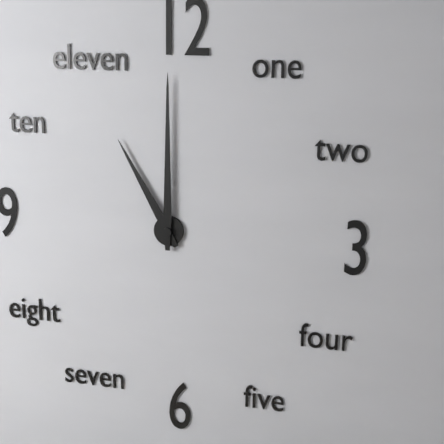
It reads **11:00**
